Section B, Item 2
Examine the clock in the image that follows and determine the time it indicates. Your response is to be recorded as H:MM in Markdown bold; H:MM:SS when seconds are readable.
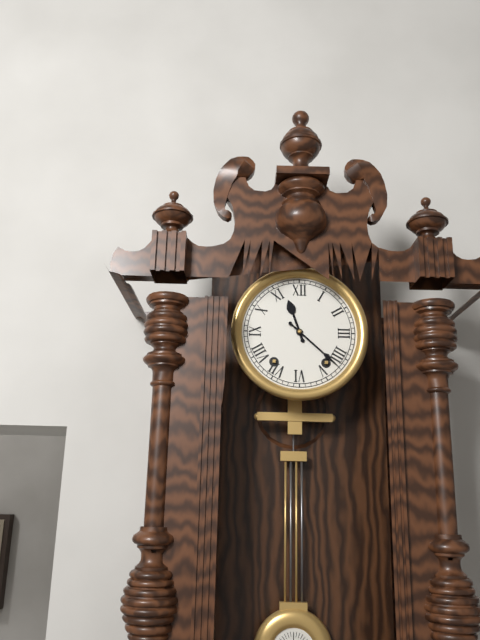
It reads **11:22**
